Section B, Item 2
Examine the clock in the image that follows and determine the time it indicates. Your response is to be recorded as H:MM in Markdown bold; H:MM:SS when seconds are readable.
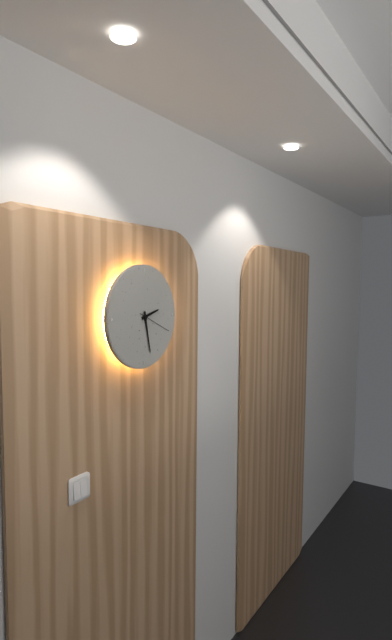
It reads **2:28**
